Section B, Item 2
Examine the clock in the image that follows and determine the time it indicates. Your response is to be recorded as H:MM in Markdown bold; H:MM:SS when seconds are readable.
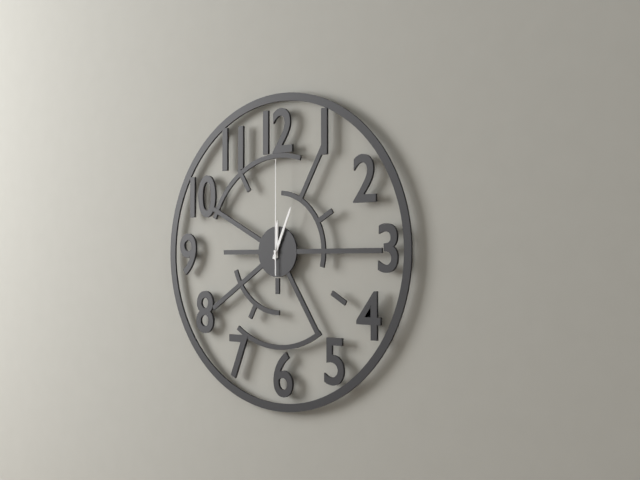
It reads **12:04:00**
